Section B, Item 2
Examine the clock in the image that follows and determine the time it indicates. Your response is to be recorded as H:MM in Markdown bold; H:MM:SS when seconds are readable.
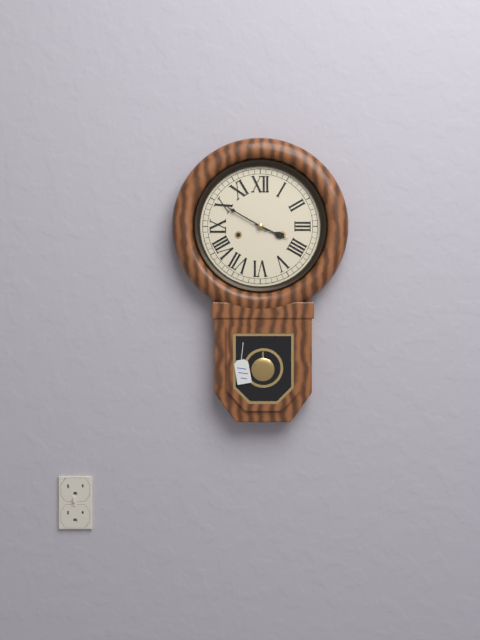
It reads **3:50**
